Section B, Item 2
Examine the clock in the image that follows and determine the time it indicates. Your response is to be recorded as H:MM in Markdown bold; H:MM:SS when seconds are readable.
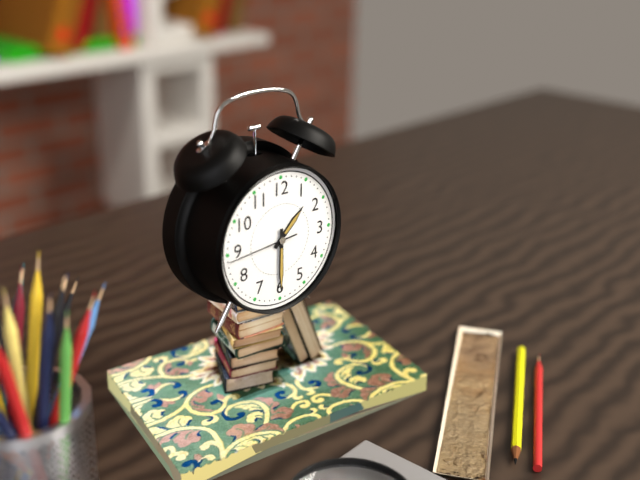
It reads **1:30:44**
